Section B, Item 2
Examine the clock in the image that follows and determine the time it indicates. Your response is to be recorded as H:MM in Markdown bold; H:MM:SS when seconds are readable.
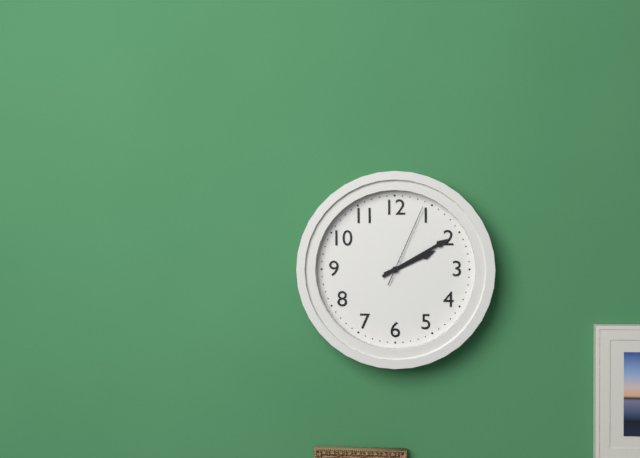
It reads **2:10:04**
